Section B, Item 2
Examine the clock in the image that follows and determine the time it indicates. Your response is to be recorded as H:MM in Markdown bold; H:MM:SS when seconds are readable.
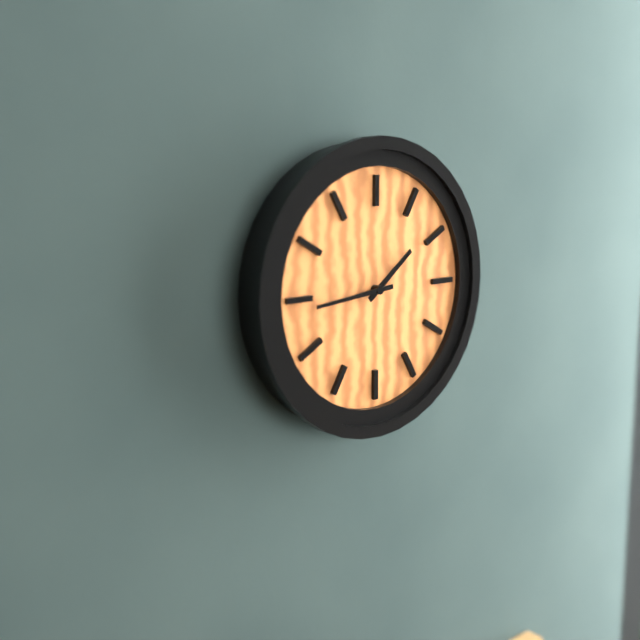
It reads **1:44**
